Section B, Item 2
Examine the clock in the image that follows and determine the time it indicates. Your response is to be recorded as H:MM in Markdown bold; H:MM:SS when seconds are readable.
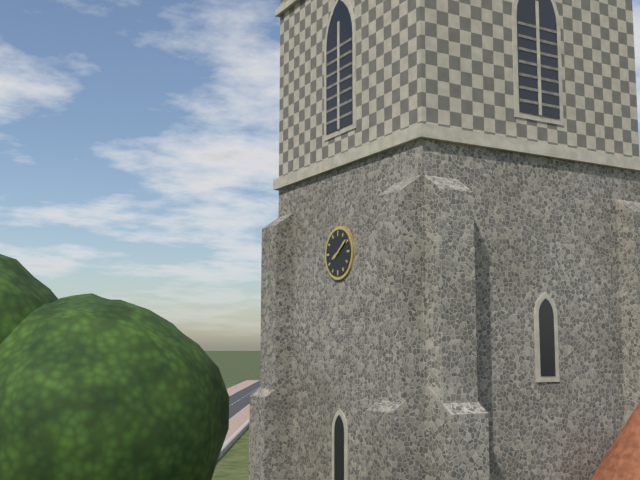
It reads **8:09**
